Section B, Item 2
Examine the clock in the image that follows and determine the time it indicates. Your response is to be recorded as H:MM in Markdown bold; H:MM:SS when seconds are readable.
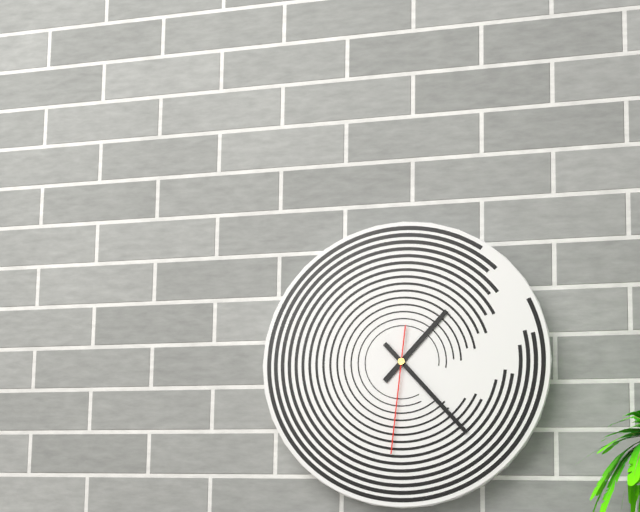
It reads **1:23:31**
